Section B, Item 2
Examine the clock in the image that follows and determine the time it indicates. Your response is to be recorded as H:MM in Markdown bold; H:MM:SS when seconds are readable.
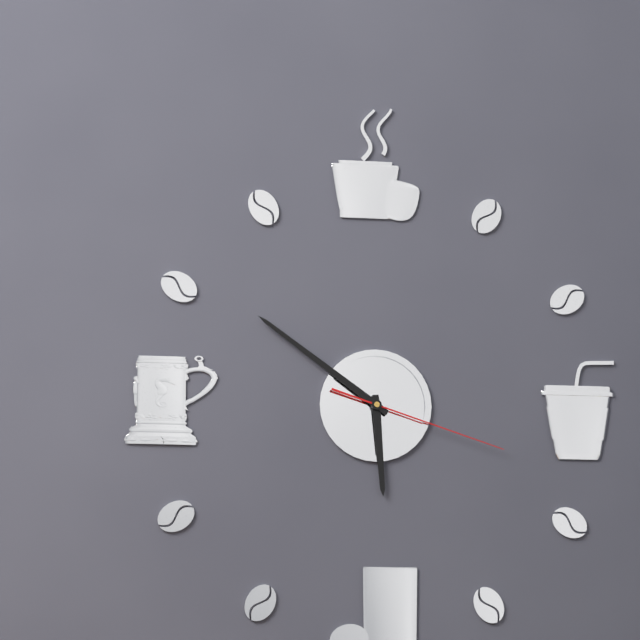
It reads **5:51:18**
